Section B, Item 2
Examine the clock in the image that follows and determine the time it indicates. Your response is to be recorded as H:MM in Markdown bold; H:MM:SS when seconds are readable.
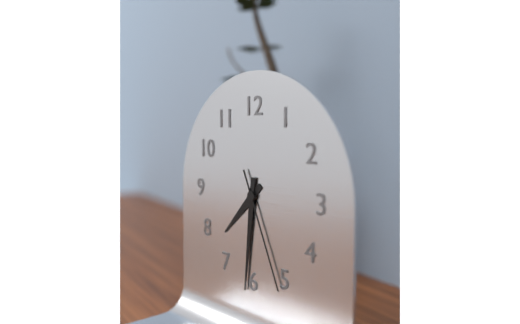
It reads **7:31:26**
